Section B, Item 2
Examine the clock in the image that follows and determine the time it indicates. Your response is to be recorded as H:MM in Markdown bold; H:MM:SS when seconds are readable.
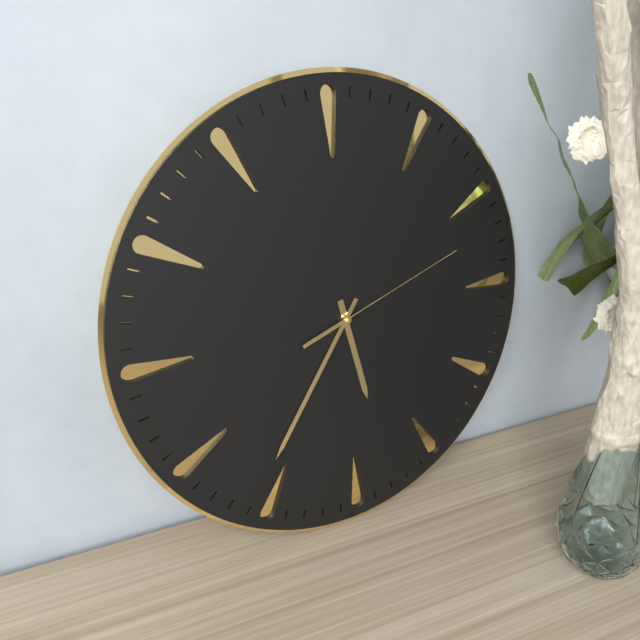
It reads **5:36:12**
